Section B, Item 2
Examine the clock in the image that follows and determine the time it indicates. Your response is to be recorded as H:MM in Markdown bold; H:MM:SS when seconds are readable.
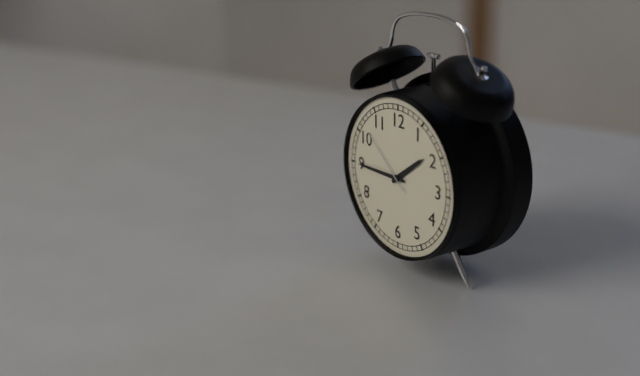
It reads **1:45:52**
